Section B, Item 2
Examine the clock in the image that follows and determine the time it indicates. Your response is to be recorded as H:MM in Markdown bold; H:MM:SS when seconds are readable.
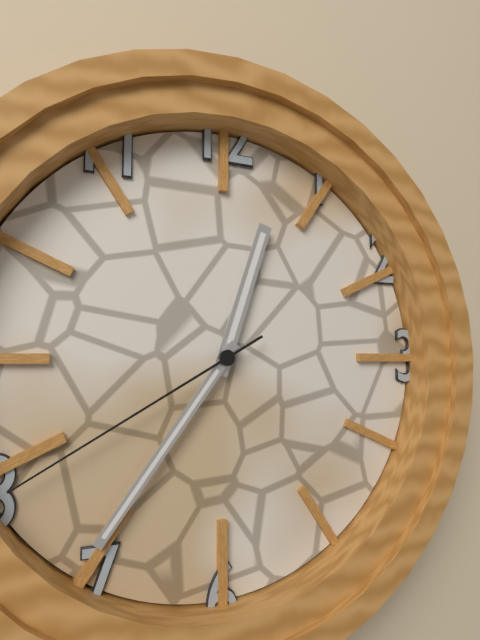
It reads **12:36:40**
